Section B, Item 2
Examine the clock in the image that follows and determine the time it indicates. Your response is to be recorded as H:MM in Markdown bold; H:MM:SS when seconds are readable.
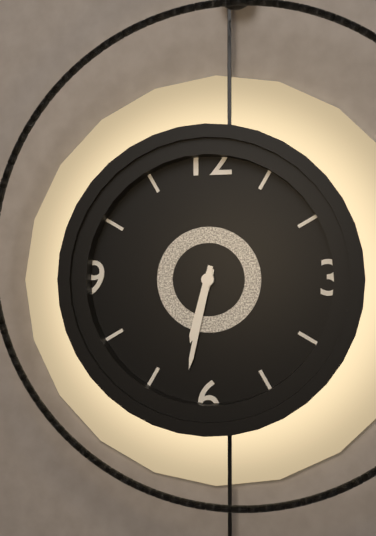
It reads **6:32**
